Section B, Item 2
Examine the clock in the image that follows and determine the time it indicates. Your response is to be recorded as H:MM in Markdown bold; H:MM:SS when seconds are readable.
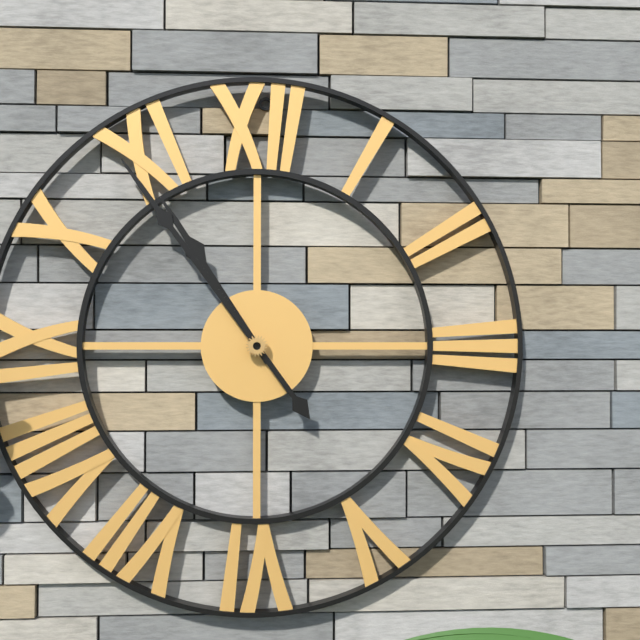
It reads **10:54**
